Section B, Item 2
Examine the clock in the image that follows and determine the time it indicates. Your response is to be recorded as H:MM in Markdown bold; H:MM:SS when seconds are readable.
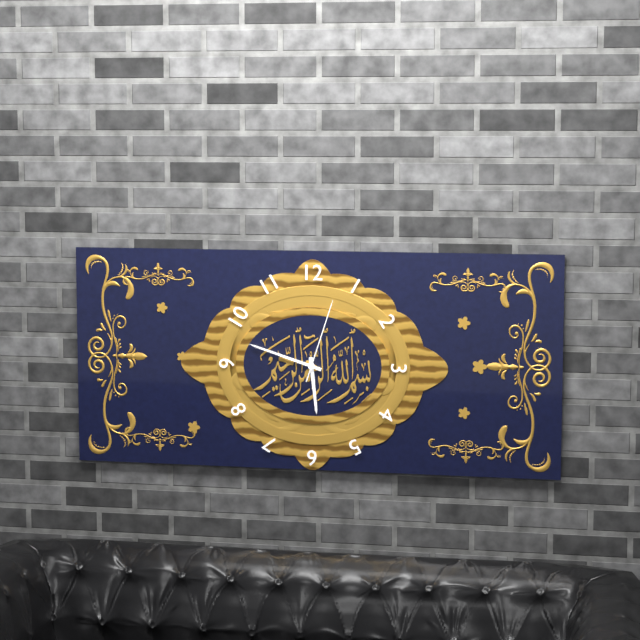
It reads **5:48:03**
